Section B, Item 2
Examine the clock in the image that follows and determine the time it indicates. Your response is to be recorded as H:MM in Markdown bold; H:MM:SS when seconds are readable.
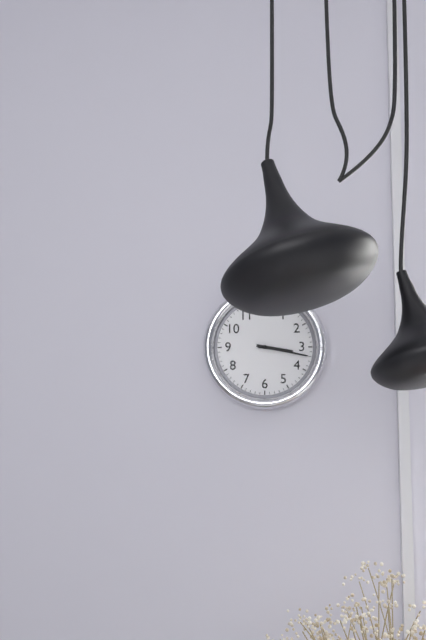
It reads **3:17**
